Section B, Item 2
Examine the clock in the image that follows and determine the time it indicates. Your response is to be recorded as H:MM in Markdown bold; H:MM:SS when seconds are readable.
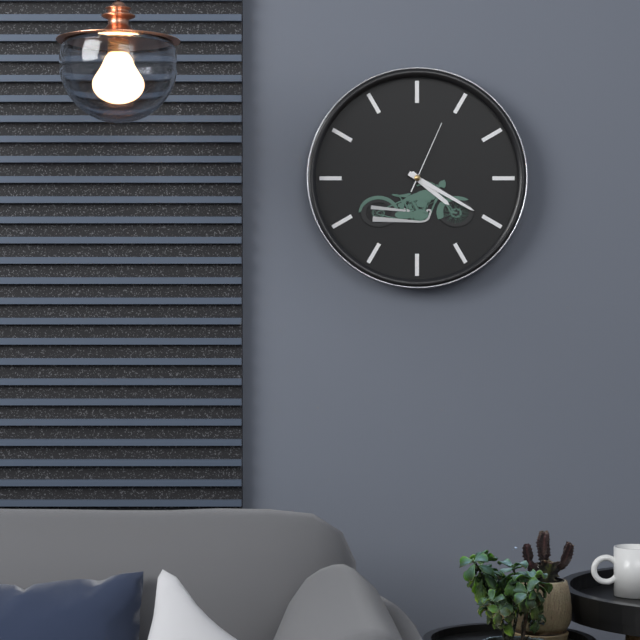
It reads **4:20:04**
